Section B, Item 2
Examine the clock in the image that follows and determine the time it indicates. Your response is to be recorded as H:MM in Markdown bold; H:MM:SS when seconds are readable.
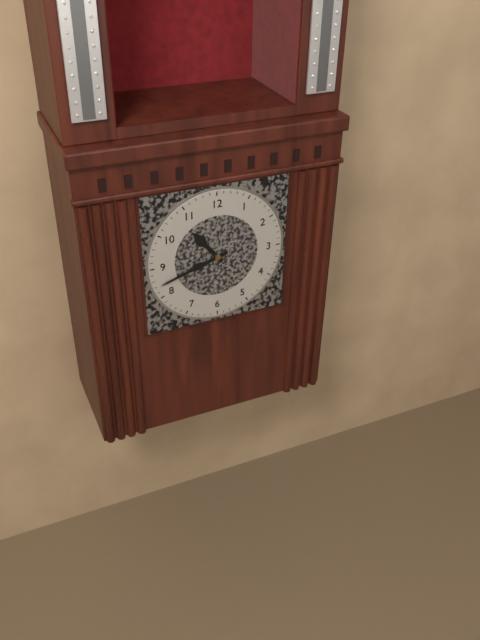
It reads **10:42**
